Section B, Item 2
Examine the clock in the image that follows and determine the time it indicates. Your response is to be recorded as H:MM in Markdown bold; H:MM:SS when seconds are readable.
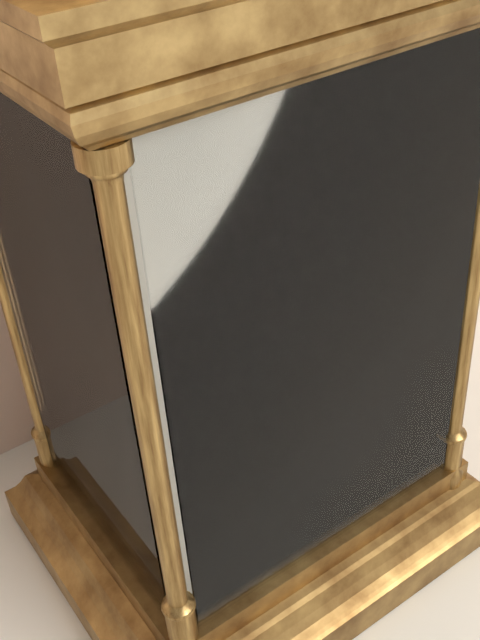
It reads **12:45**
